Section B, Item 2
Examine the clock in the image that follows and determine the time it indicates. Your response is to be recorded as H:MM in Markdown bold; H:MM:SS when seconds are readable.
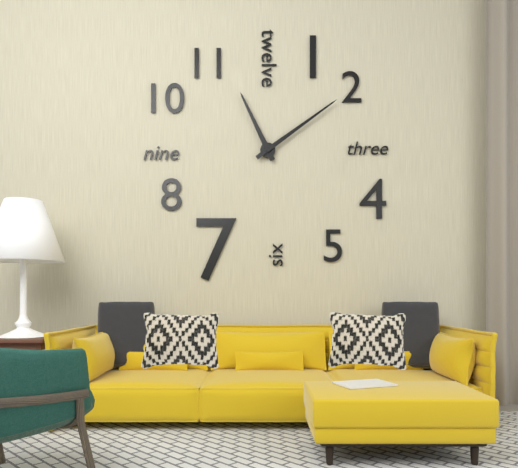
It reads **11:09**
